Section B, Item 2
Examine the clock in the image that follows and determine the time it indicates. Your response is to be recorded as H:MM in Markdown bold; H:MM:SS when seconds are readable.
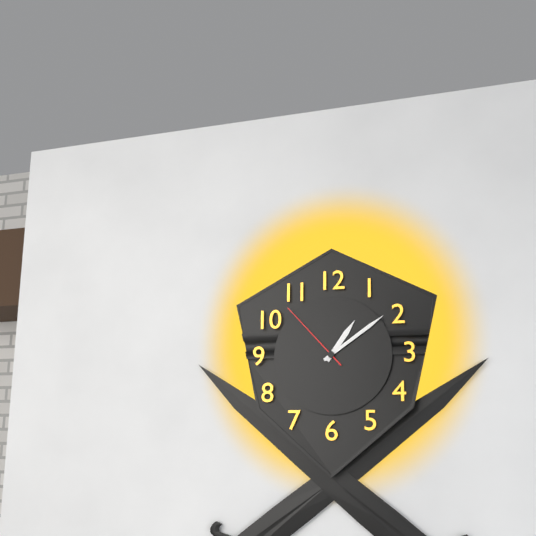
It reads **1:09:53**
